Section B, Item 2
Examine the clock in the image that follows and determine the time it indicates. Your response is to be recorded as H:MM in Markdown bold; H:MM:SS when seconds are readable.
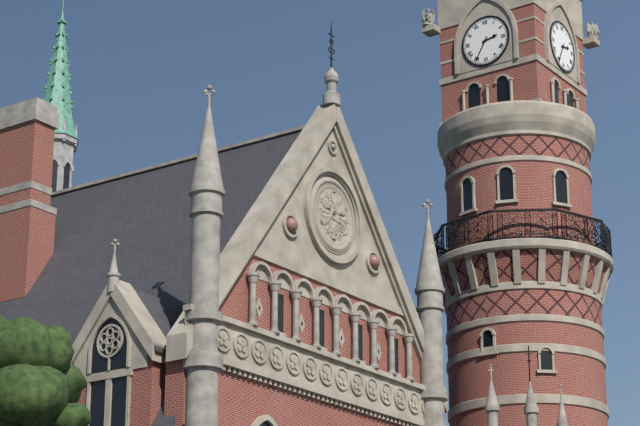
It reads **2:35**
